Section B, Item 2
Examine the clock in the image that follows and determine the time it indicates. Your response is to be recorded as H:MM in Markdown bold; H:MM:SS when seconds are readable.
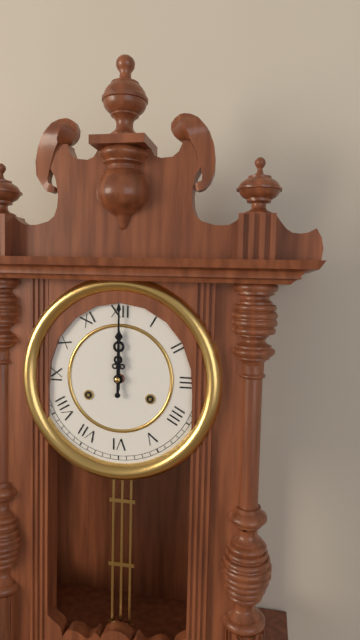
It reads **12:00**
